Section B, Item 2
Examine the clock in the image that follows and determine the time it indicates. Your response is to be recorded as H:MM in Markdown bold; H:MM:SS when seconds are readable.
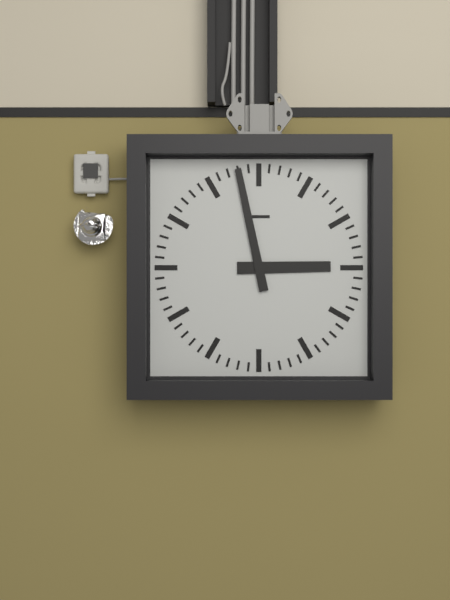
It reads **2:58**
